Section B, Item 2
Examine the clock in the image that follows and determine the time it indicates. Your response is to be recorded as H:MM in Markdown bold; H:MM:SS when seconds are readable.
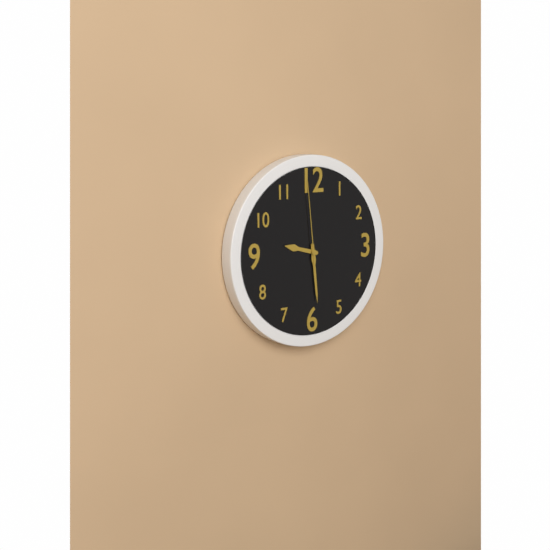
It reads **9:29:59**
